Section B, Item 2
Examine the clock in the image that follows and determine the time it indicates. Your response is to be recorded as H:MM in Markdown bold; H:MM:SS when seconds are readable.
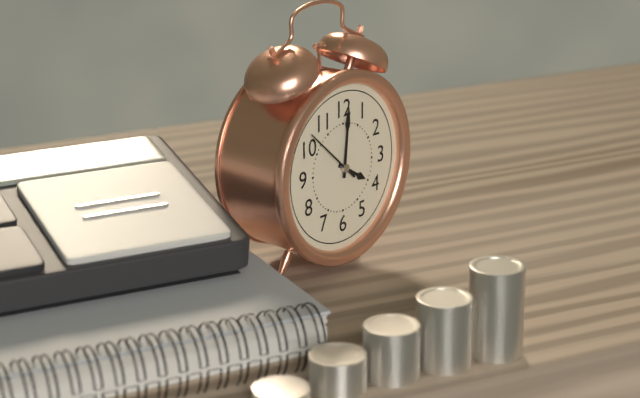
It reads **4:01:52**
